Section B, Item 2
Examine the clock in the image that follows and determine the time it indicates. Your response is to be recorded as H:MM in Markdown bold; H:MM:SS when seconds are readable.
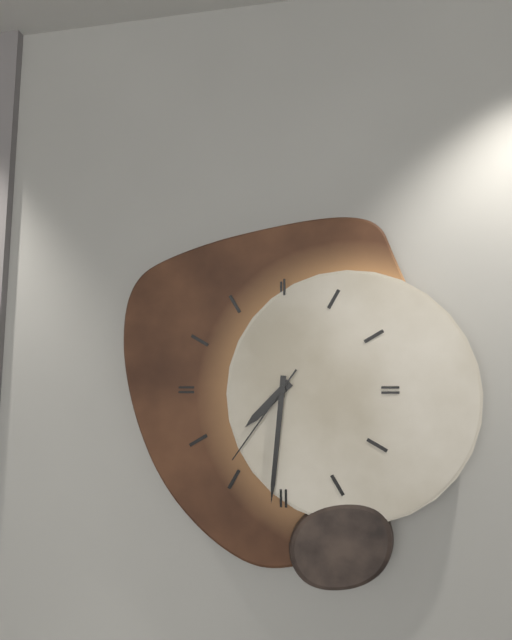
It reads **7:31:36**
